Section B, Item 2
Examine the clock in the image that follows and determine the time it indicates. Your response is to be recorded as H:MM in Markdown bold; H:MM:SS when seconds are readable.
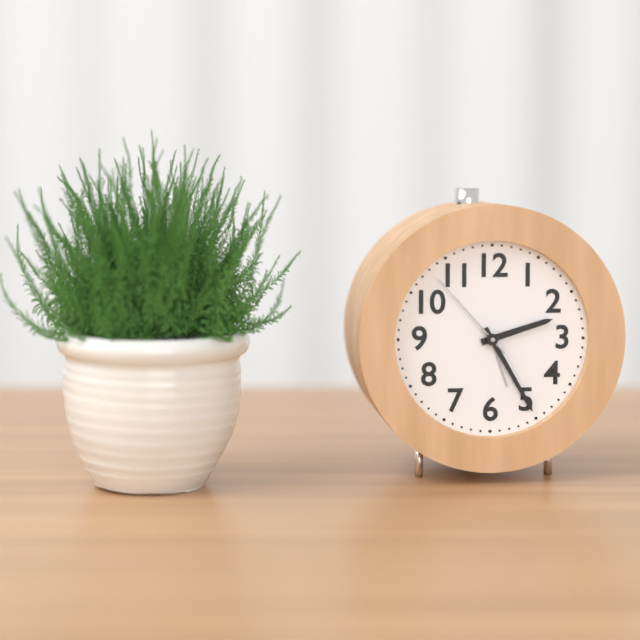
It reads **2:25:53**
